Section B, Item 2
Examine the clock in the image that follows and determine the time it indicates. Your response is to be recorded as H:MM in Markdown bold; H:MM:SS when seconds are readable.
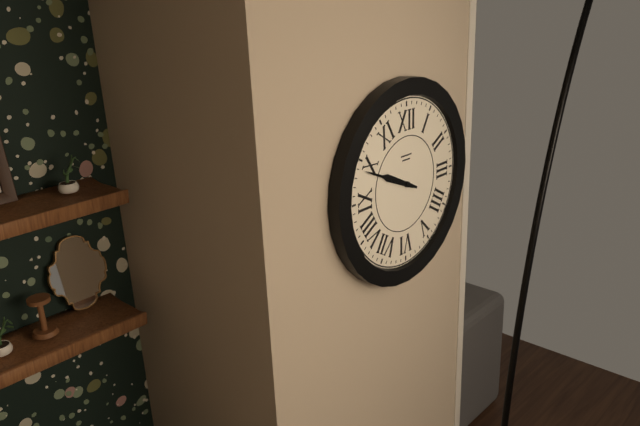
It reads **9:49**
